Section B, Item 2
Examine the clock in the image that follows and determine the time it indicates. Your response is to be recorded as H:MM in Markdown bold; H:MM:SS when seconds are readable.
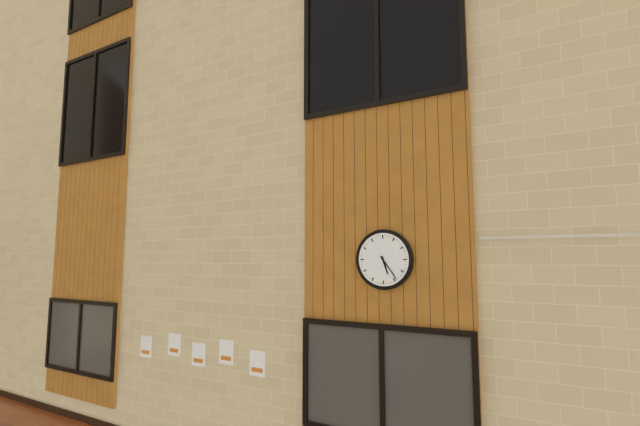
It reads **5:24**
